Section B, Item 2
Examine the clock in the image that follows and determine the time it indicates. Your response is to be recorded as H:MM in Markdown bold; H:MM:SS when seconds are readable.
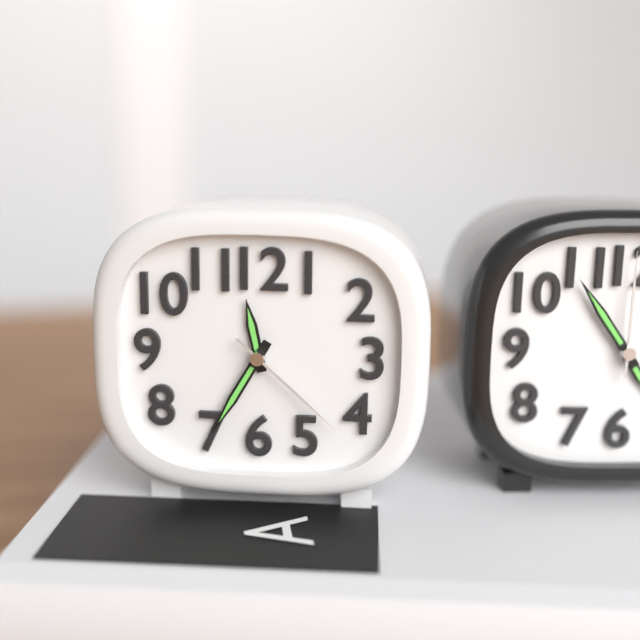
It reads **11:35:22**
